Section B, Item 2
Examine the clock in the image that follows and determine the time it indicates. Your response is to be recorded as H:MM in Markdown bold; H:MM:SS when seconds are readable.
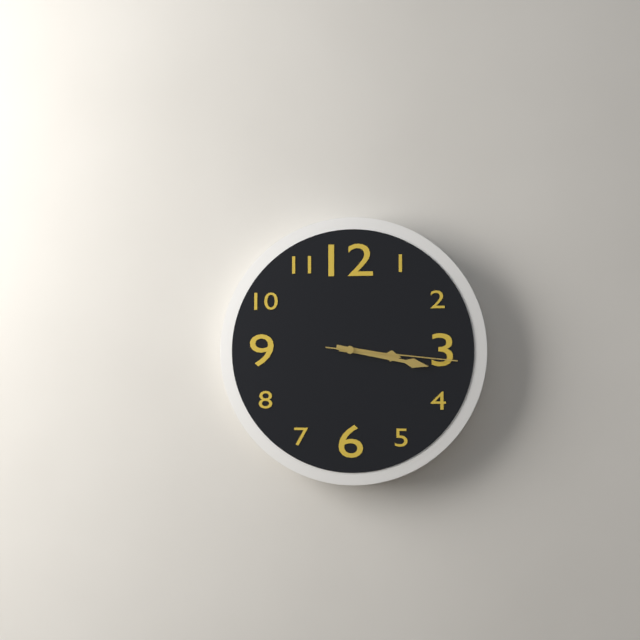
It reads **3:17:16**
